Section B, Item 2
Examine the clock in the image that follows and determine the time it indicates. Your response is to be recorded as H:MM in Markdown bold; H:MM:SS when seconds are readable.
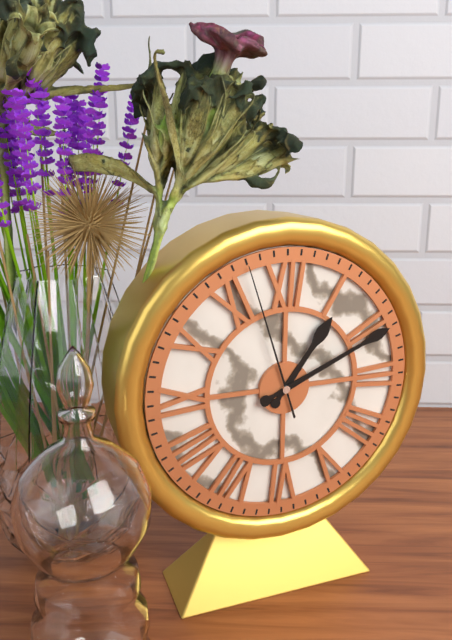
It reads **1:11:57**
